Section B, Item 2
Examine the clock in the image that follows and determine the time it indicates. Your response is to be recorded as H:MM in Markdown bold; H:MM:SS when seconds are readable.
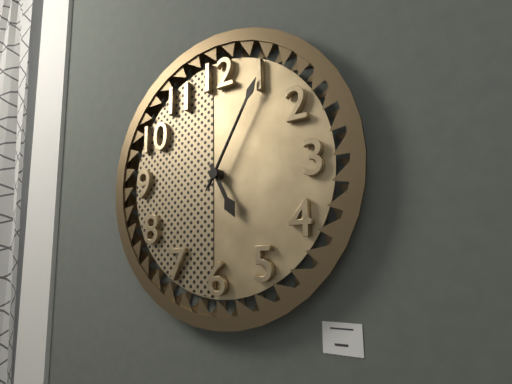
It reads **5:05:05**
